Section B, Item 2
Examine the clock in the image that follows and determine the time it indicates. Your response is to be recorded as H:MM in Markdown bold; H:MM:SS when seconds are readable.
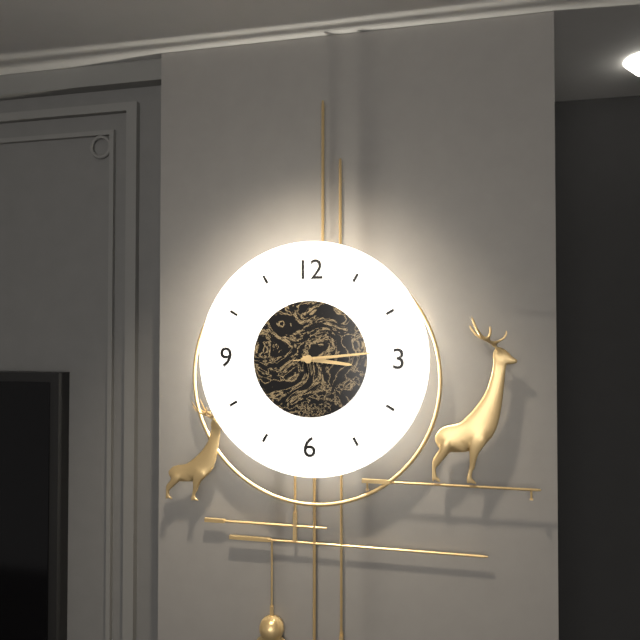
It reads **3:14:14**
